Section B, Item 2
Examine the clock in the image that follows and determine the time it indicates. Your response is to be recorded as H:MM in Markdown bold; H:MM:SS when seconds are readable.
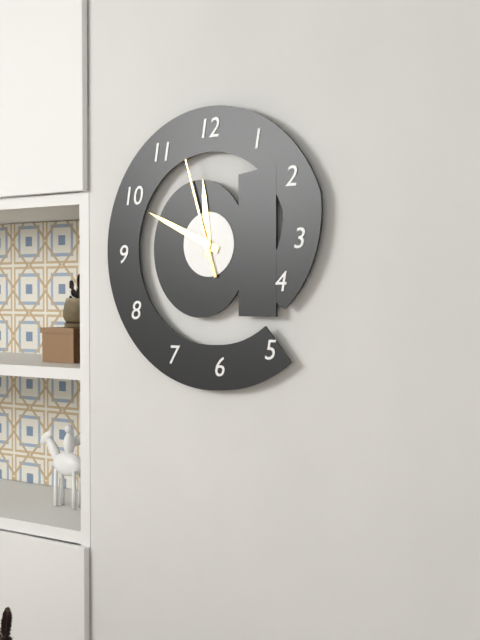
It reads **11:49:57**
